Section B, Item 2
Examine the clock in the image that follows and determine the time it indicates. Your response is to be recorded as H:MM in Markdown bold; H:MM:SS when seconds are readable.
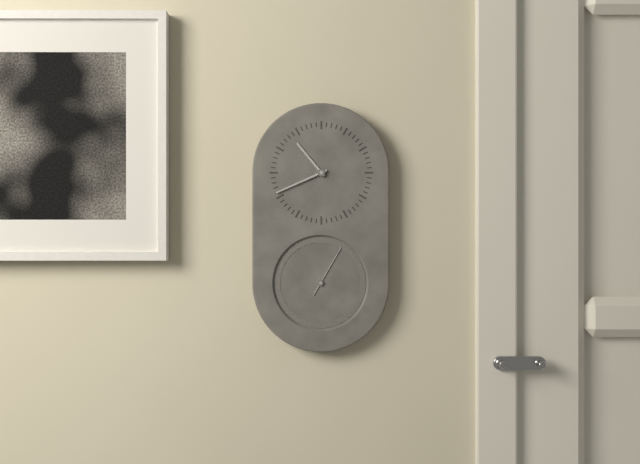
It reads **10:41:05**
